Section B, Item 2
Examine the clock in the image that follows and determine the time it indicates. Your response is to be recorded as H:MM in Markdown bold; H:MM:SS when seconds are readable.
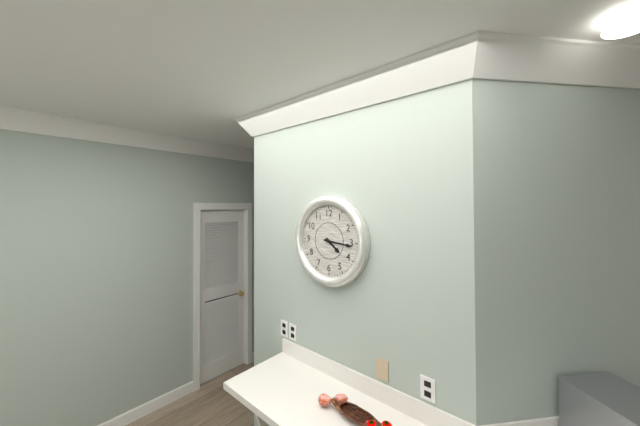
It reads **4:16**
